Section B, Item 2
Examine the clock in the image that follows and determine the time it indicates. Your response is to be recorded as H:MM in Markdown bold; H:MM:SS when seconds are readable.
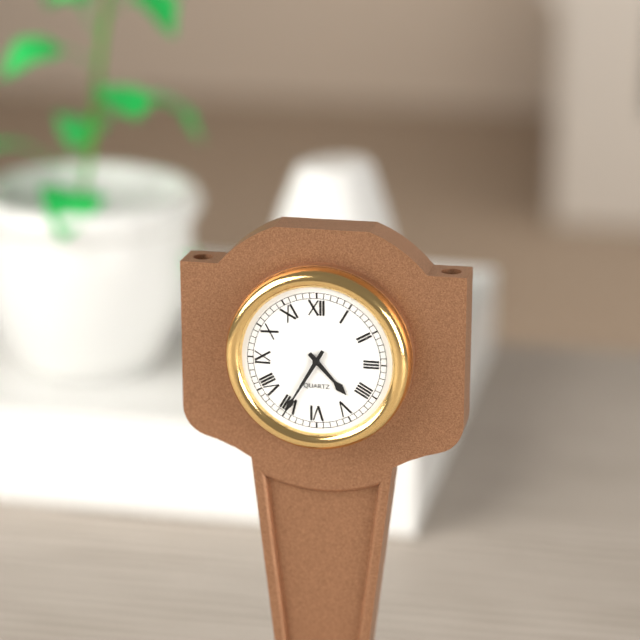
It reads **4:35**
